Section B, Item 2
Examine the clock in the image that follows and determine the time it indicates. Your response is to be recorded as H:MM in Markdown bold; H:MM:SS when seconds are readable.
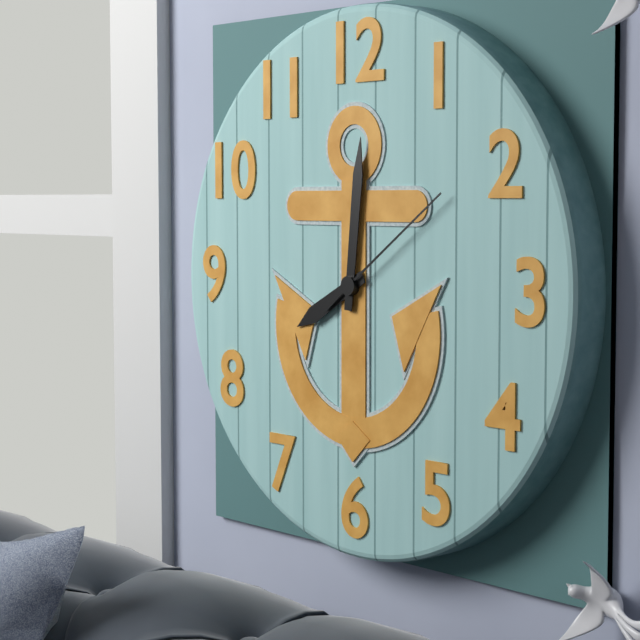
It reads **8:01:09**
